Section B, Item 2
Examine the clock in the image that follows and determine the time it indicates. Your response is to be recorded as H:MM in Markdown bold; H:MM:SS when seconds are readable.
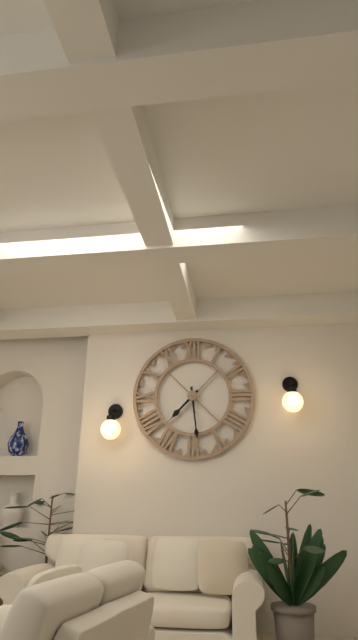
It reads **7:29**
